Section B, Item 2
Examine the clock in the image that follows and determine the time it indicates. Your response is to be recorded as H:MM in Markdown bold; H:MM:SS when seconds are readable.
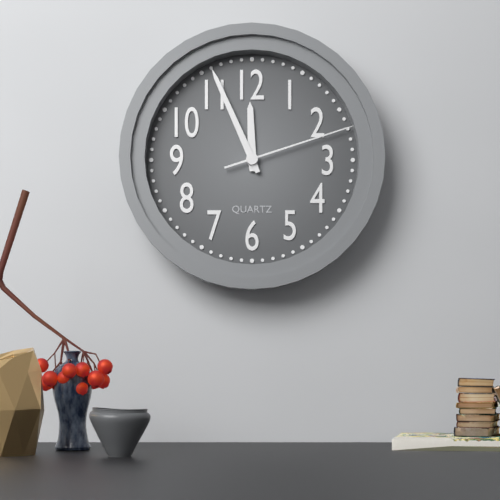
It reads **11:56:12**
